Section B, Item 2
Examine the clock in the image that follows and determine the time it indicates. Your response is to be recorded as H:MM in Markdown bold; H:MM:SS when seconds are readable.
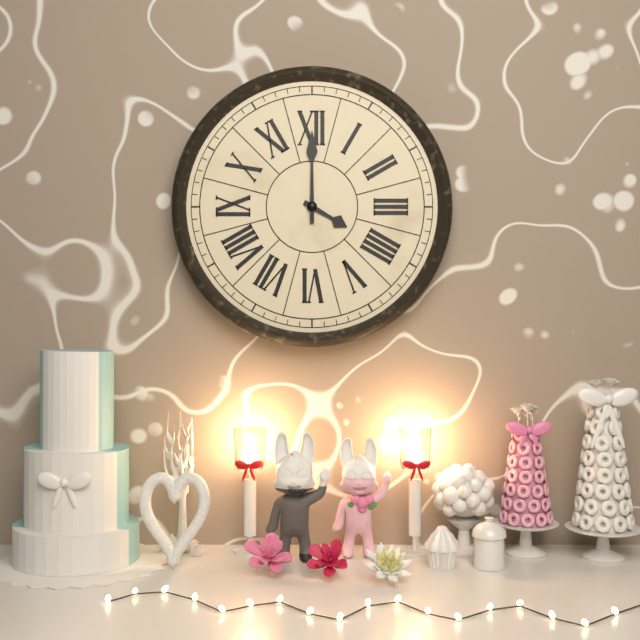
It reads **4:00**
